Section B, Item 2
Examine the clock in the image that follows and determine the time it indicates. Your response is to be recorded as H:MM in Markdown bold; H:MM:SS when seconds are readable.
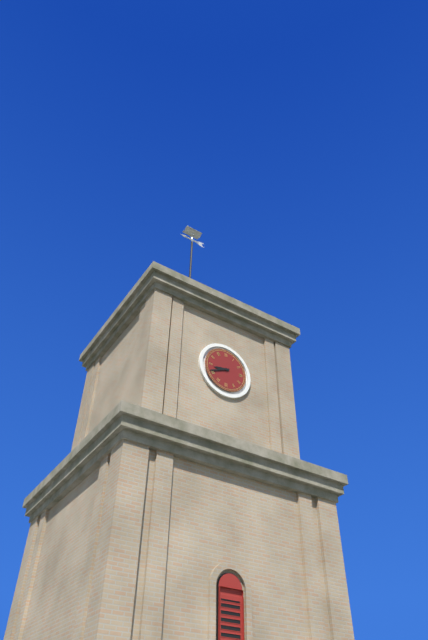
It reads **8:41**
